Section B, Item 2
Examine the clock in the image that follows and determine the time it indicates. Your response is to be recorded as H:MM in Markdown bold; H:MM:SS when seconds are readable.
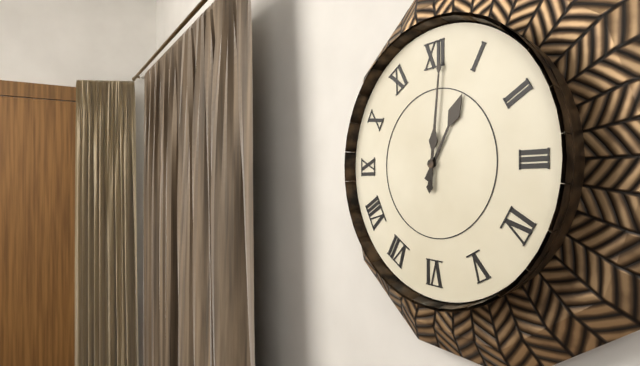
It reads **1:01**
